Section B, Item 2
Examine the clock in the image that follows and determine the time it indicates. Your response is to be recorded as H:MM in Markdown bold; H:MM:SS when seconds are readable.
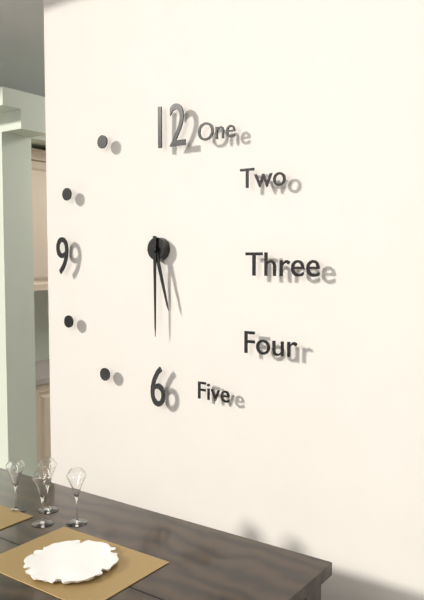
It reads **5:30**
